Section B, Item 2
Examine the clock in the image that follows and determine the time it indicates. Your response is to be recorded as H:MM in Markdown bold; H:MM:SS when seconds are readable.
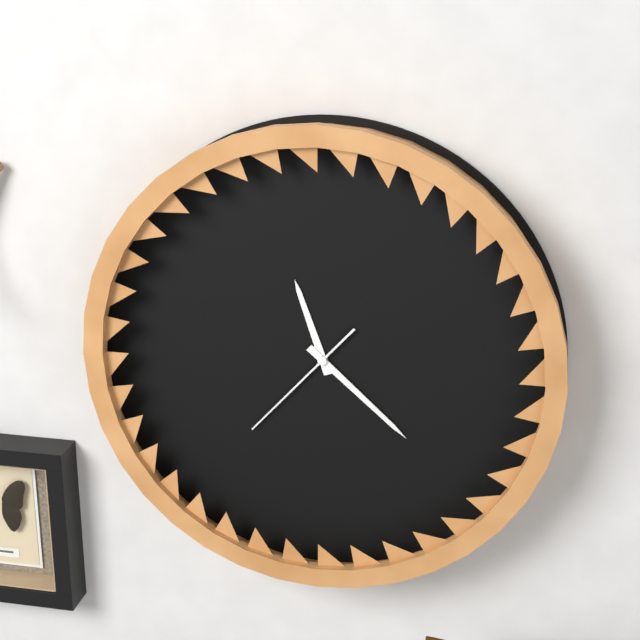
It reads **11:22:37**
